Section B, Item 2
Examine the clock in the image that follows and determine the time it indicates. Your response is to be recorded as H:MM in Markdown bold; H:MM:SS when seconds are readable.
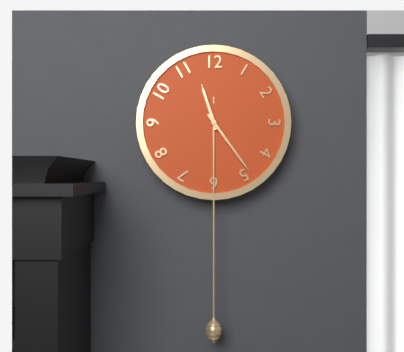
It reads **11:24**
